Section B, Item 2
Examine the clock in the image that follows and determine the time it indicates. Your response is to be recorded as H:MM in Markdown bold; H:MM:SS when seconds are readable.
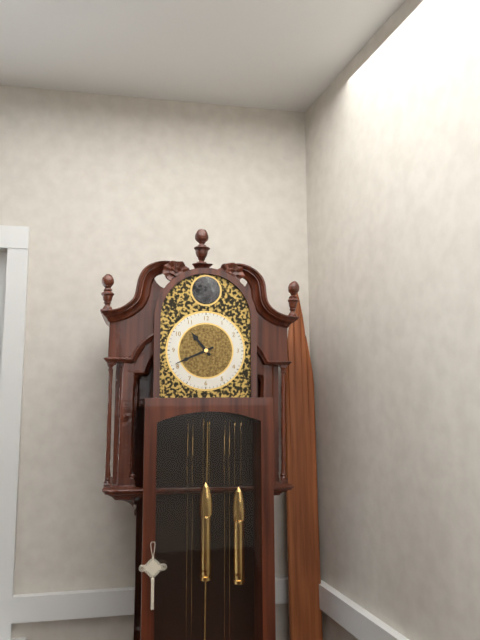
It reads **10:41**
